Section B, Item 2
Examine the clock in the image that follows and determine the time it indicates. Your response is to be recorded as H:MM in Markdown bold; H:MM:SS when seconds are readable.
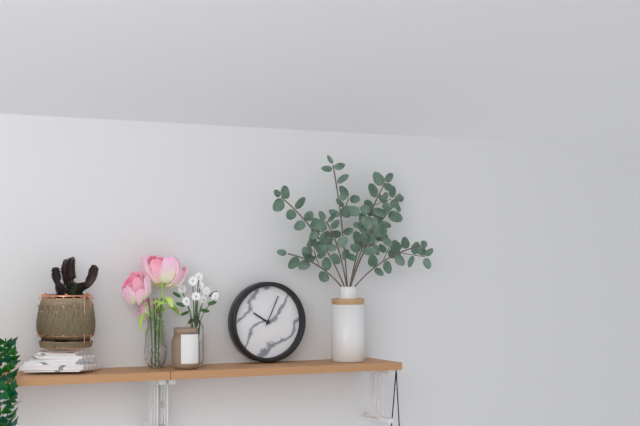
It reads **10:04**
